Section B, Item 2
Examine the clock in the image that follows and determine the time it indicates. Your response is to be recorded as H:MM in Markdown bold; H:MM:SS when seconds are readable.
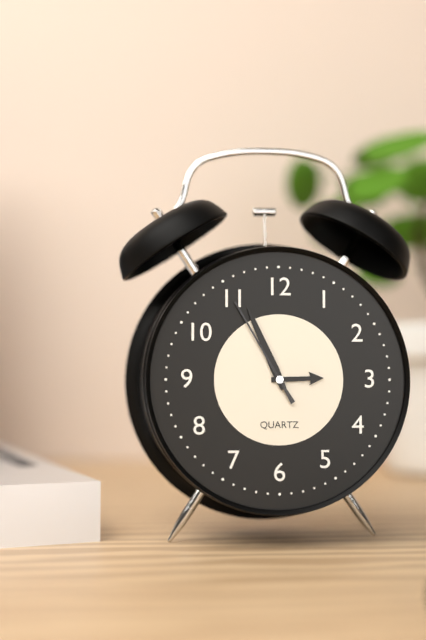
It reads **2:56:55**
